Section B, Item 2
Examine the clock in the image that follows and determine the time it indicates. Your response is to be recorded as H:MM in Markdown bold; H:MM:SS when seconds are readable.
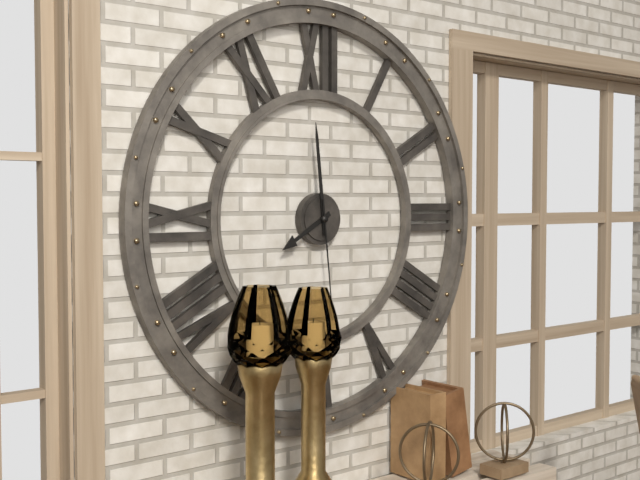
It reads **7:59:29**
